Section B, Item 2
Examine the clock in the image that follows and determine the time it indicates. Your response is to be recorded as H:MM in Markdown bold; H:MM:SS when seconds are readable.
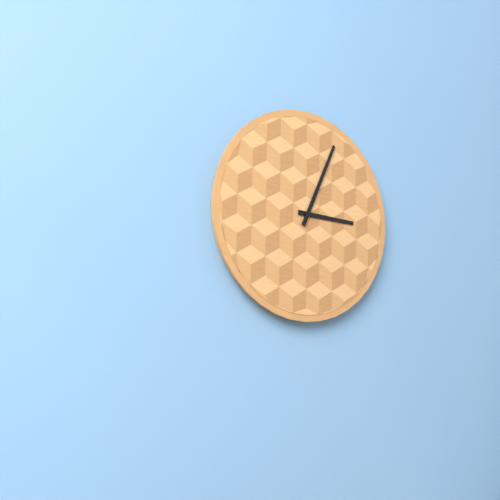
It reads **3:04**
